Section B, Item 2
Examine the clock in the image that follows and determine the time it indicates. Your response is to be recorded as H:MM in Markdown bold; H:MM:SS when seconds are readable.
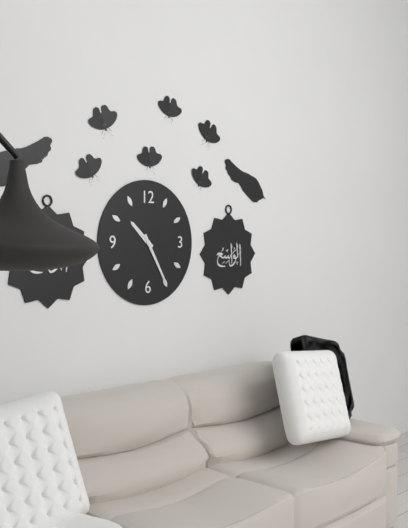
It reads **10:25**
